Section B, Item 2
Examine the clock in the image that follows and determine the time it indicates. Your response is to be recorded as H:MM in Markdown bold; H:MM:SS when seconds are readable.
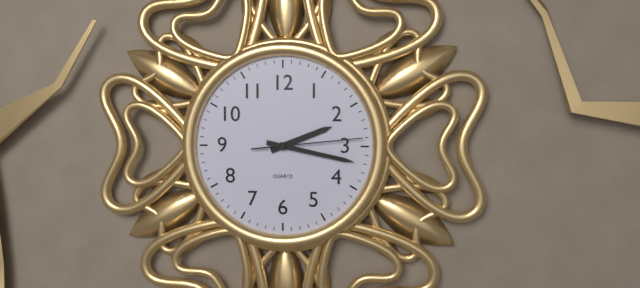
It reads **2:17:14**
